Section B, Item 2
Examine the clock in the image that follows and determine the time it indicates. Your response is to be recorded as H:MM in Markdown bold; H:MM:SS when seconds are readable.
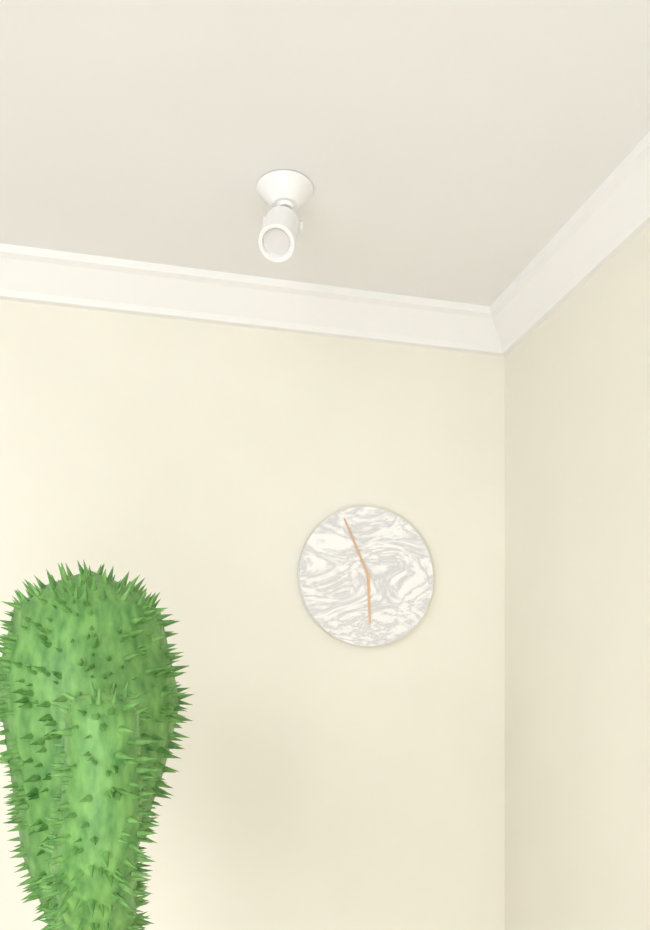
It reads **5:56**
